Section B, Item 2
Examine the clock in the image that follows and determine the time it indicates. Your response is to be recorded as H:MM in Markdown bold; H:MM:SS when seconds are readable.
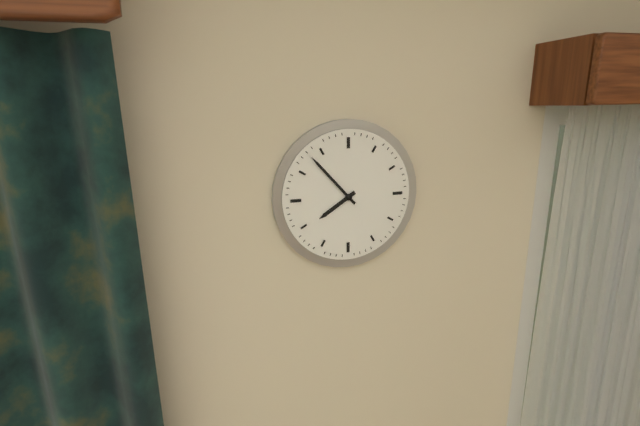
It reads **7:53**
